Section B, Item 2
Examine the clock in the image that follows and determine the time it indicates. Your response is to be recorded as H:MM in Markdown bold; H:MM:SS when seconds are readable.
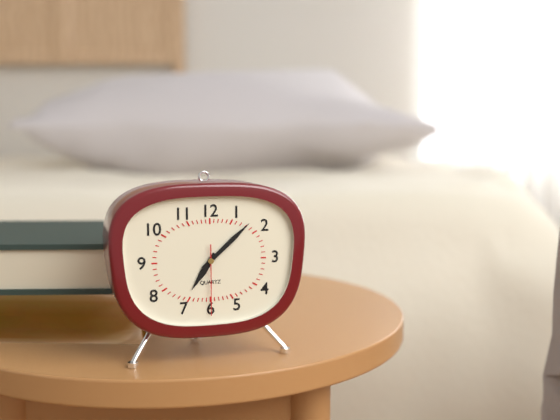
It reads **7:08:30**
